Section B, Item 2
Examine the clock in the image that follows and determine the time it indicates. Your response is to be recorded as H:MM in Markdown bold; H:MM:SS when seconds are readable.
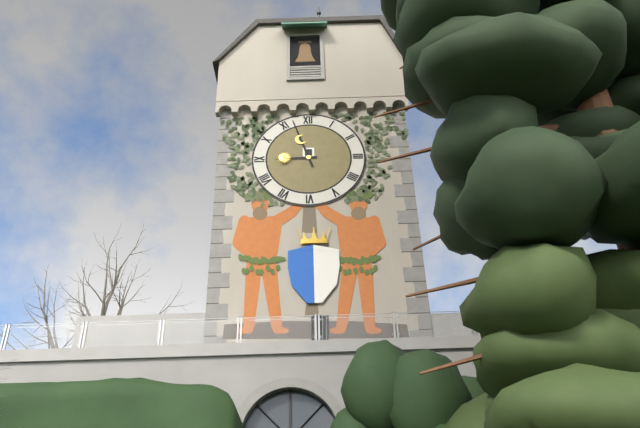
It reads **8:57**
